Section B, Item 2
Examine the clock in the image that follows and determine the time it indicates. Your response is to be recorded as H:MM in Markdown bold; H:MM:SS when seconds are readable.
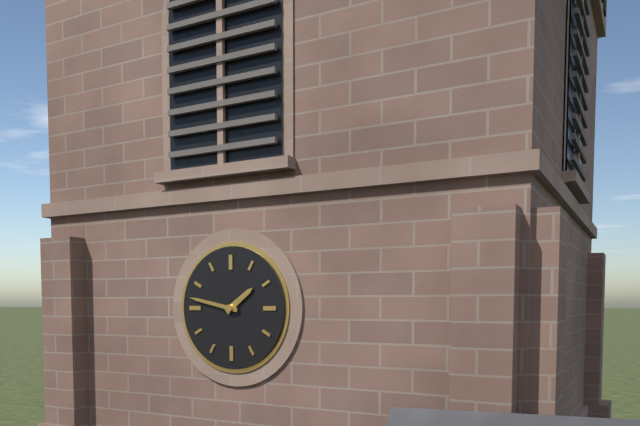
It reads **1:47**
